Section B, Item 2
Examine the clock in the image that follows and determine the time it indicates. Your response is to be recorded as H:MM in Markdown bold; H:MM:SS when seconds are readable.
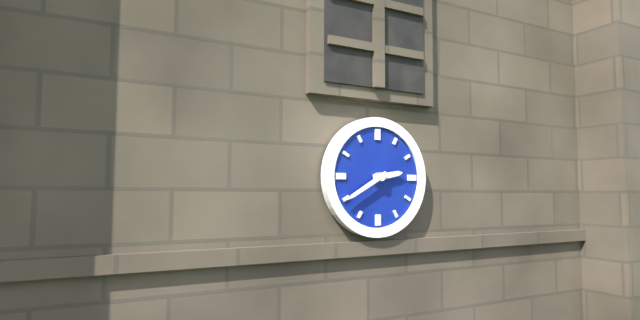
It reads **2:40**
